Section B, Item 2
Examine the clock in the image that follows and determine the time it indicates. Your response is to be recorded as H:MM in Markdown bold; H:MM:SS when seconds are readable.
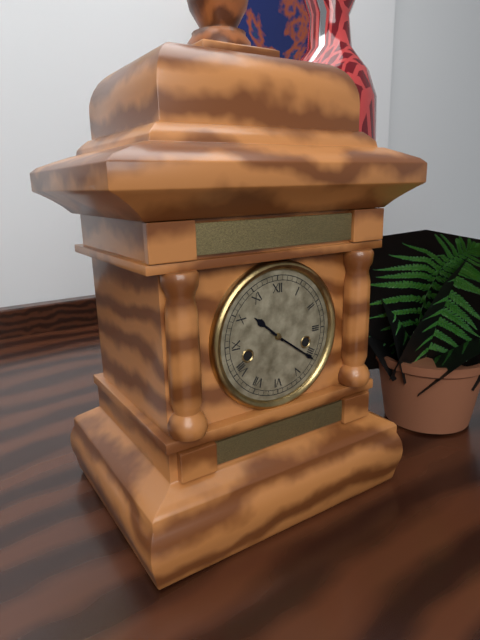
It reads **10:21**
